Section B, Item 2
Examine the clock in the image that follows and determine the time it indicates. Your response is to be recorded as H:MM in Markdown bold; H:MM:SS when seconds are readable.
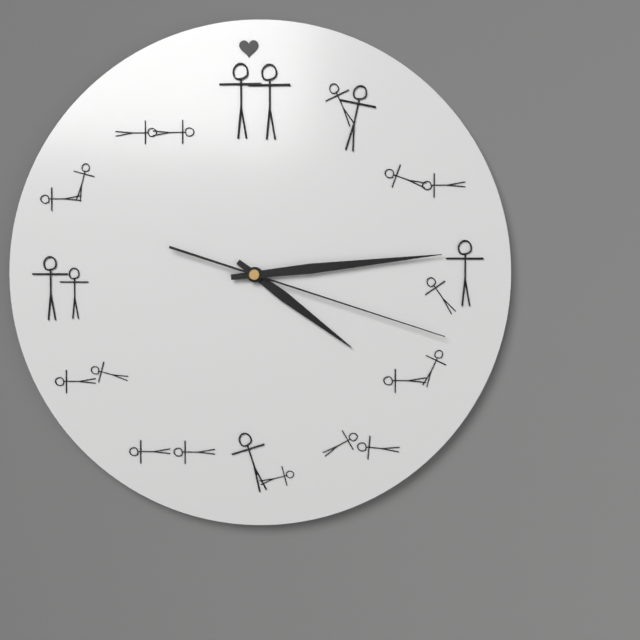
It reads **4:14:18**
